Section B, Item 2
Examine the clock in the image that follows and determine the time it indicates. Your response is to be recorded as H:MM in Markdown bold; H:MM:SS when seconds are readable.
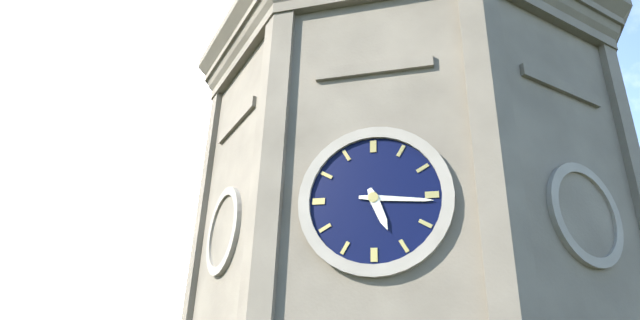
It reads **5:16**
